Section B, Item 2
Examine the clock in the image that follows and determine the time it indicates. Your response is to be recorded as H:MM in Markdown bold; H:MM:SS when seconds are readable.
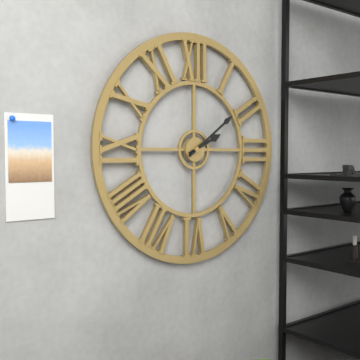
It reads **2:09**
